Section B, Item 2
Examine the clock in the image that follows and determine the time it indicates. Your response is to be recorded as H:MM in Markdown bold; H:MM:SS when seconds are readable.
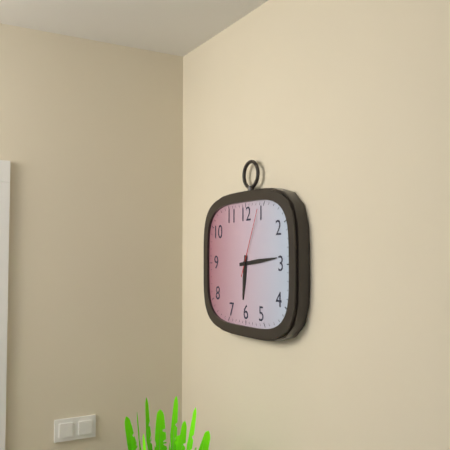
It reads **6:14:04**
